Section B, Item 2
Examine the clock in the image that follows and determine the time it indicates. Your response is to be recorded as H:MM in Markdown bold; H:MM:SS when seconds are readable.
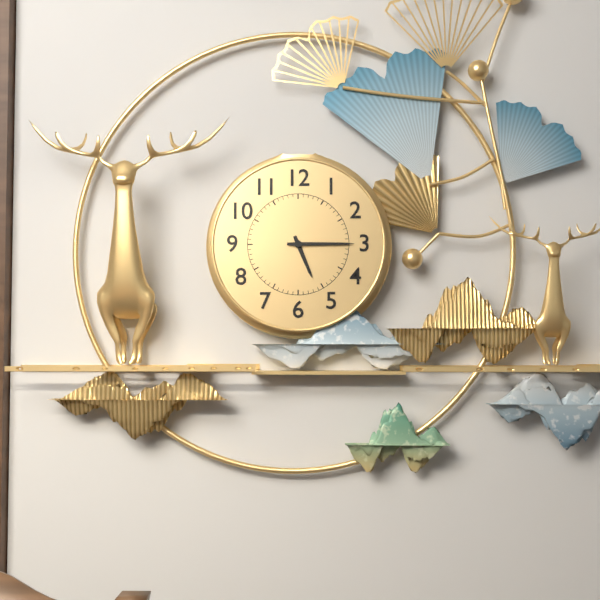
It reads **5:15**
